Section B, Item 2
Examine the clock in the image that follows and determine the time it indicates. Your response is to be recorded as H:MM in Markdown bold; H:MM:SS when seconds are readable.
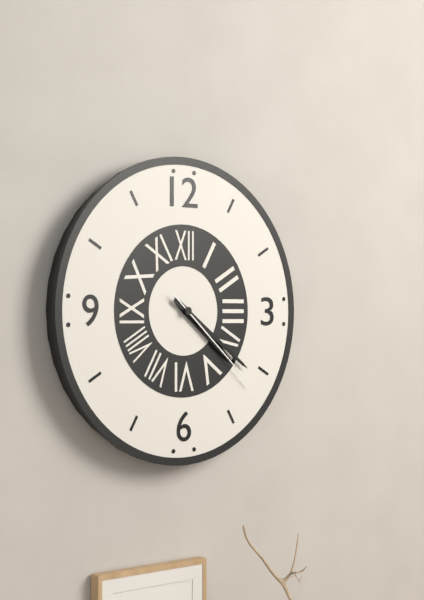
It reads **4:21:22**
